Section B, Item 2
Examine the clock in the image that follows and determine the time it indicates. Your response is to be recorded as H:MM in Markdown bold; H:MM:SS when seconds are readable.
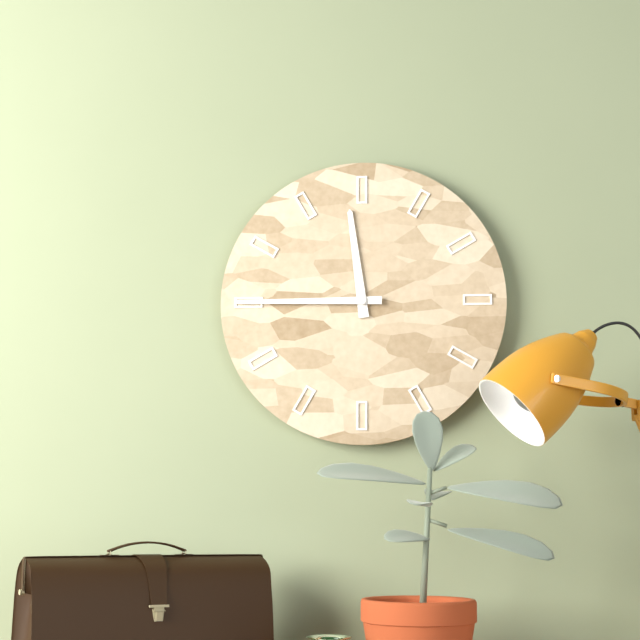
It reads **11:45**
